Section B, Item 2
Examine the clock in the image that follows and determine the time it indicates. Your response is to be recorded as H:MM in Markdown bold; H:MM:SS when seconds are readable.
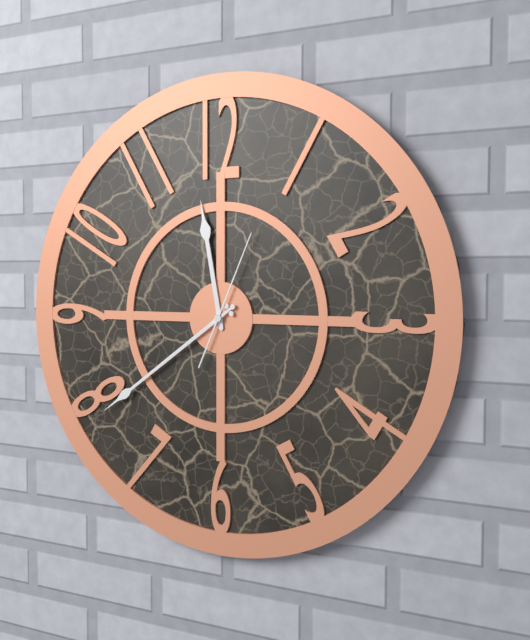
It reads **11:39:04**
